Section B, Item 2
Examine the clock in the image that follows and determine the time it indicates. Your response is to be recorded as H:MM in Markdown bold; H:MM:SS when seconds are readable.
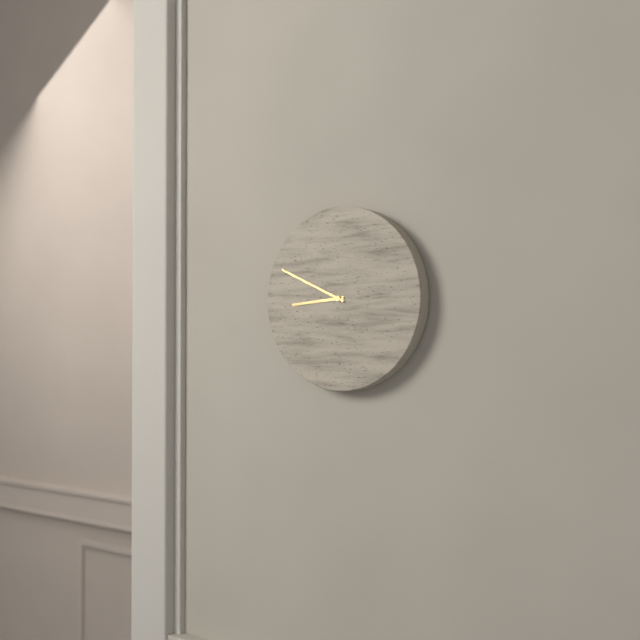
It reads **8:49**
